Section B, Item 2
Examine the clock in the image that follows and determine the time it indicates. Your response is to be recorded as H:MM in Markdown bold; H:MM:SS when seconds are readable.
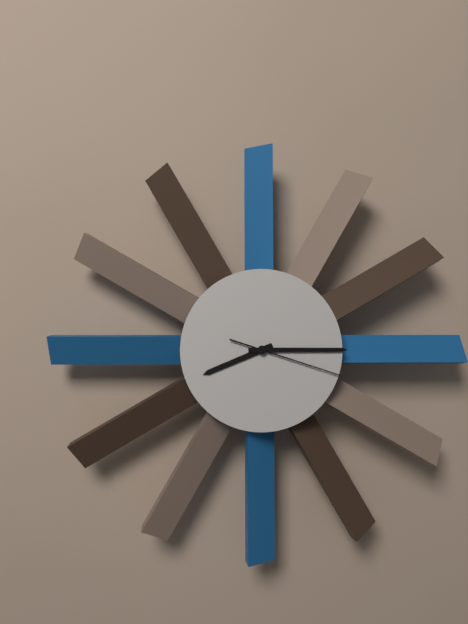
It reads **8:15:18**
